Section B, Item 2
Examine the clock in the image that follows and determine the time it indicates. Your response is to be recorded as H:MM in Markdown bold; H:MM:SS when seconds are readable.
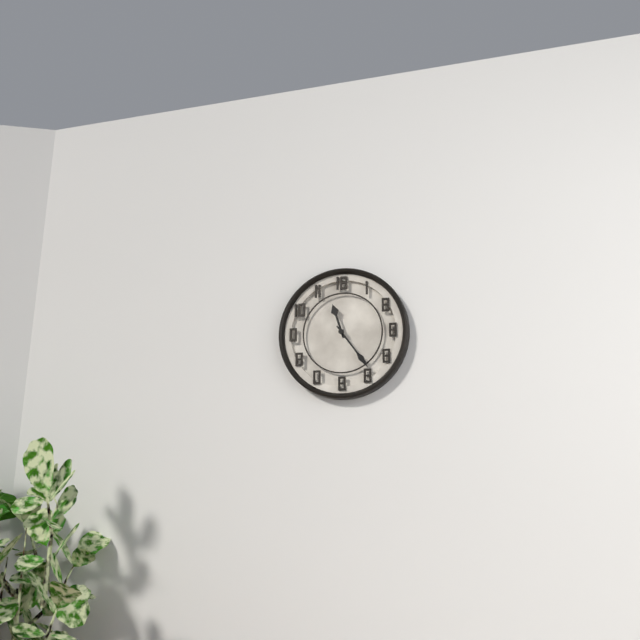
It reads **11:24**
